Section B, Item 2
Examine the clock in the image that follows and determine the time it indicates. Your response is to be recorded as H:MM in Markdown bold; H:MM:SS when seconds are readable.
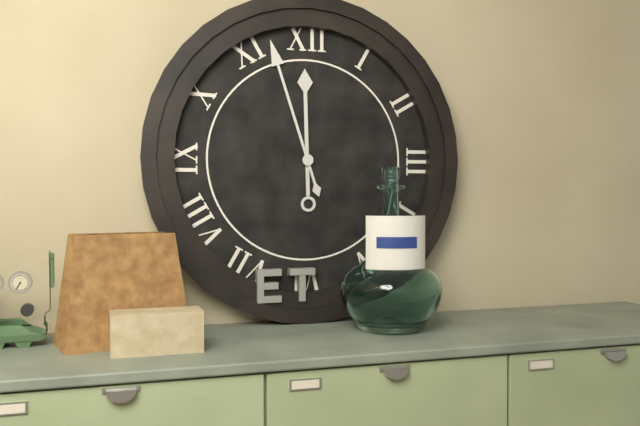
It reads **11:57**
